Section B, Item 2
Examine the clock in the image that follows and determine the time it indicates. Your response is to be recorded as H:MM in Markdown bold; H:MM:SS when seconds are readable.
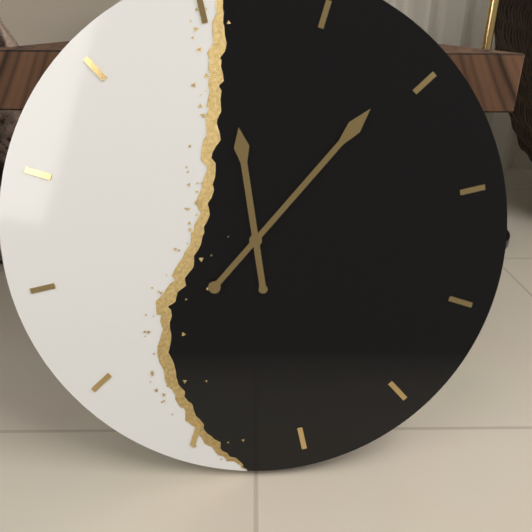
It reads **12:09**
